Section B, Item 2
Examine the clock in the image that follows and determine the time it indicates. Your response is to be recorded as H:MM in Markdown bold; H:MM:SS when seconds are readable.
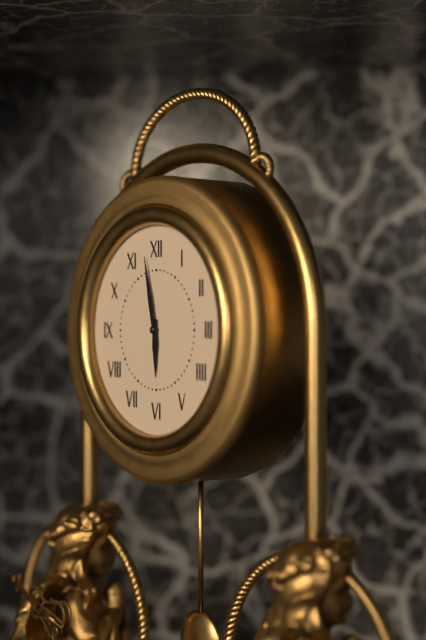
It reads **5:58**
